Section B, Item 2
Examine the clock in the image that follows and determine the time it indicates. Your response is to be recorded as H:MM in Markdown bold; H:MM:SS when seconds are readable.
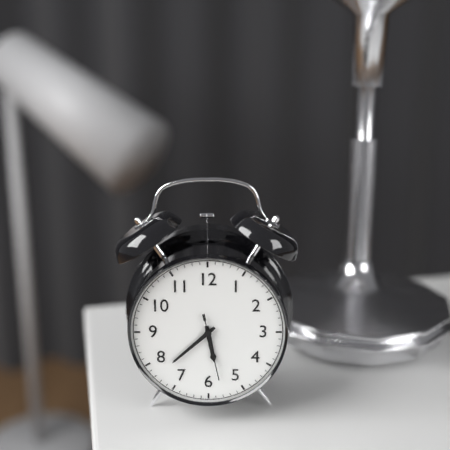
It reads **5:38:28**
